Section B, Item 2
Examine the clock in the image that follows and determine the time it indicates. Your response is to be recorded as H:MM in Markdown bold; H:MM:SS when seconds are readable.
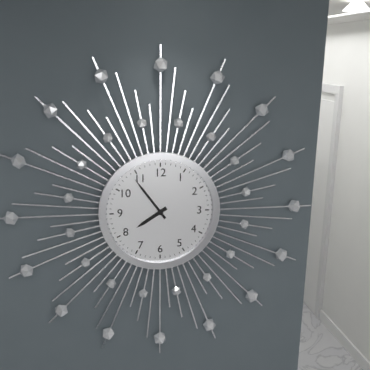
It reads **7:54**
